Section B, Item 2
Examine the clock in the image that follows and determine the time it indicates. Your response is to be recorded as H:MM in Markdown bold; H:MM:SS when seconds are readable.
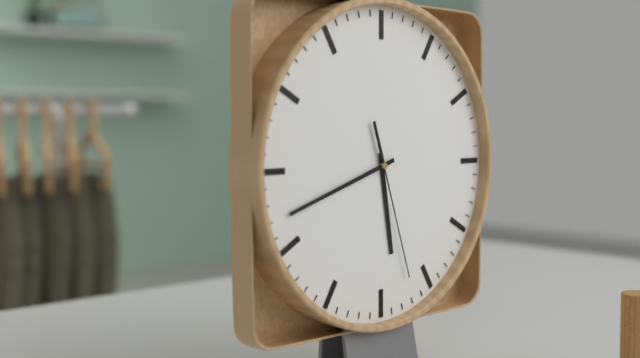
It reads **5:42:27**
